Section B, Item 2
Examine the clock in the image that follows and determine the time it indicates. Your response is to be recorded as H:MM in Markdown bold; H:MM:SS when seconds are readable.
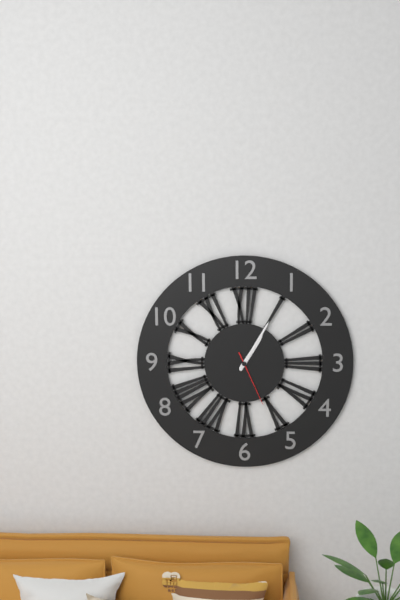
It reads **1:05:26**
